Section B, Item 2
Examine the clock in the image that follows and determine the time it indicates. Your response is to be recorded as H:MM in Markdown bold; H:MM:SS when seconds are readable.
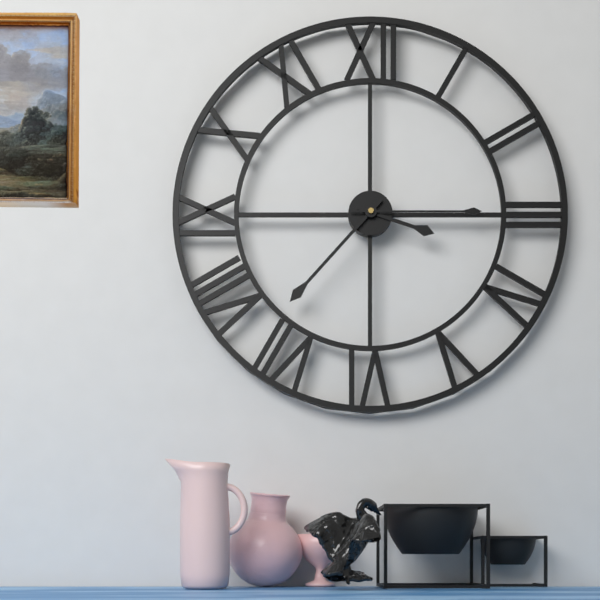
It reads **3:37:15**
